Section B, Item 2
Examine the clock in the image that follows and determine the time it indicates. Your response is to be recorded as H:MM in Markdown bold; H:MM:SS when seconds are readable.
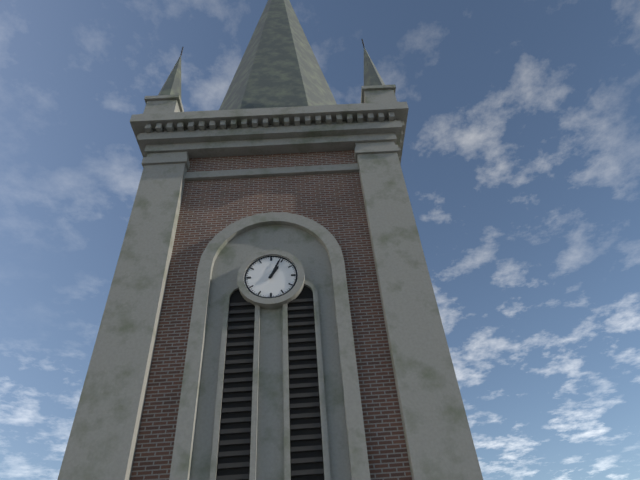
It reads **1:04**
